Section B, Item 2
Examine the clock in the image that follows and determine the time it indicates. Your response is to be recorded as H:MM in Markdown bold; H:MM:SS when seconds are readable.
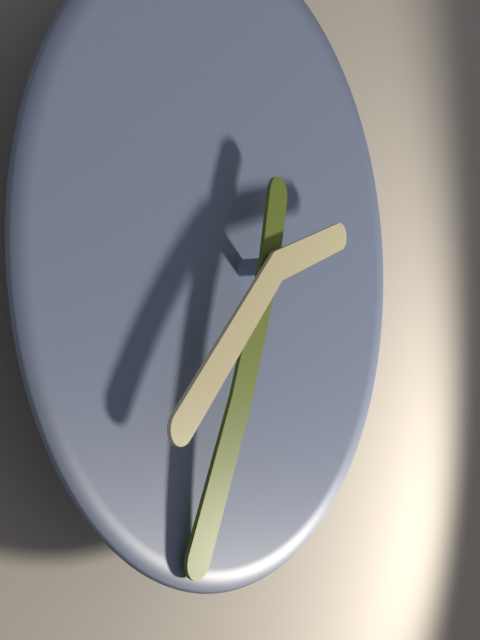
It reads **7:34**
